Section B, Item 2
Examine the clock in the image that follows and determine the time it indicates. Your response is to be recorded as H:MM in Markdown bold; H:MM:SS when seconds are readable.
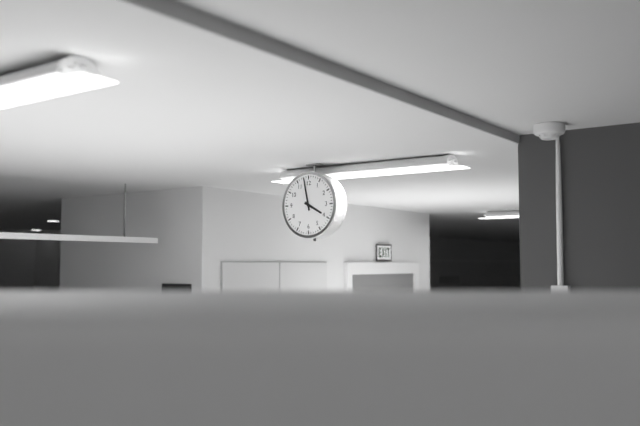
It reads **3:58**
